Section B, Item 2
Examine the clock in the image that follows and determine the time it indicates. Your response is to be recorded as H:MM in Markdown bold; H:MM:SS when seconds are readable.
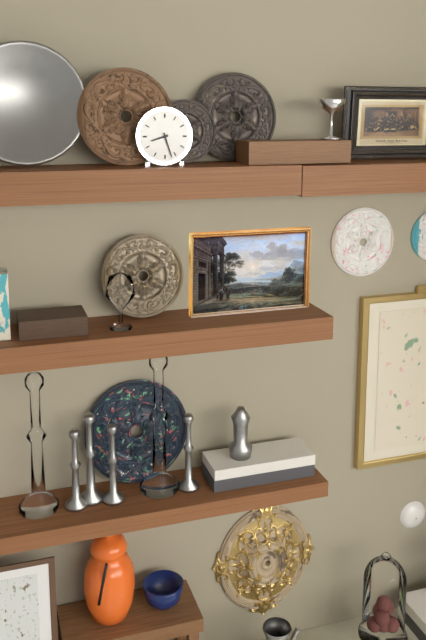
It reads **8:27**
